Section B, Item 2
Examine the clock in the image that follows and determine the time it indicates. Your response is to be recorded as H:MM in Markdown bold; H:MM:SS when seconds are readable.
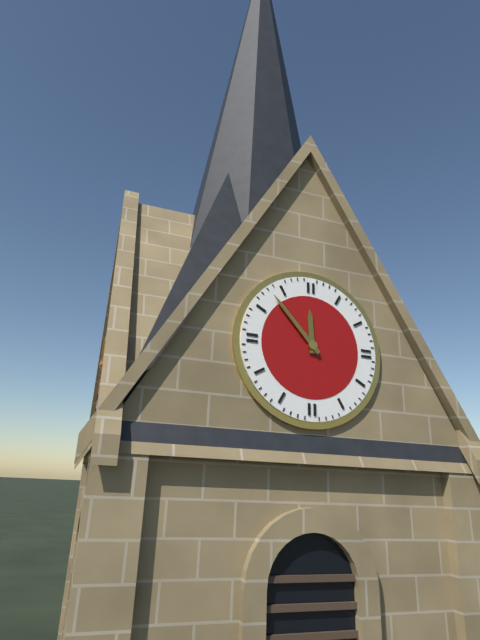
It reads **11:53**
